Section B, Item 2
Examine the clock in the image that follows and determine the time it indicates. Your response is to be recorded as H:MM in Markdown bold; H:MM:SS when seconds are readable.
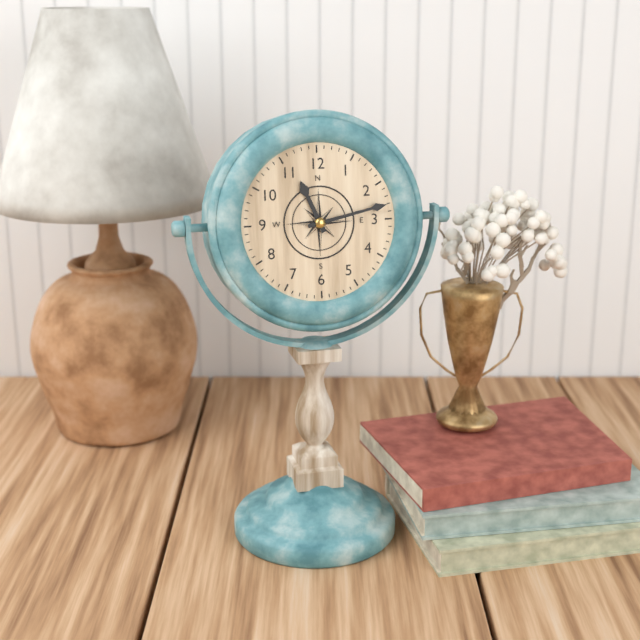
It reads **11:13**
